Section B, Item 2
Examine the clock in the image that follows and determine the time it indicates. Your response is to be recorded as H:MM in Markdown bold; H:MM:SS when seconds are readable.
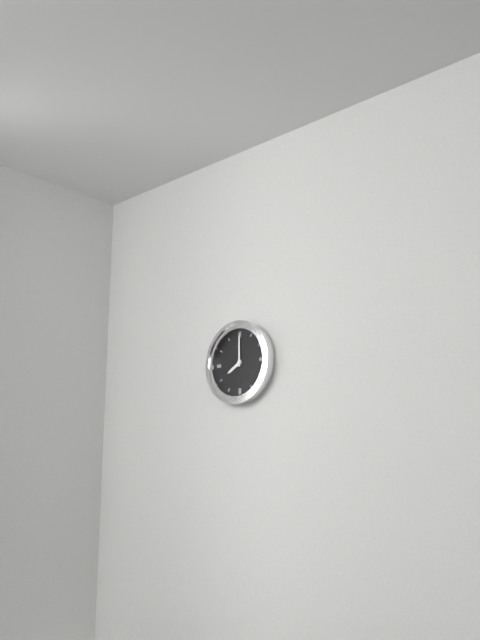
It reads **8:00**
